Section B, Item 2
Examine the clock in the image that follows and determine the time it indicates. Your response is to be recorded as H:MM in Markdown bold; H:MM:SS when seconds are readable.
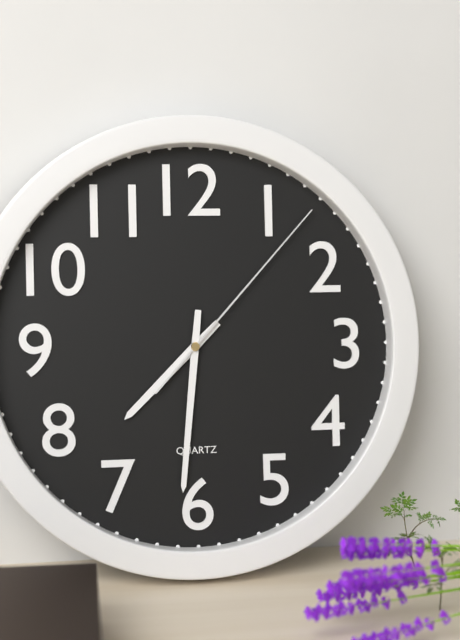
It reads **7:31:07**
